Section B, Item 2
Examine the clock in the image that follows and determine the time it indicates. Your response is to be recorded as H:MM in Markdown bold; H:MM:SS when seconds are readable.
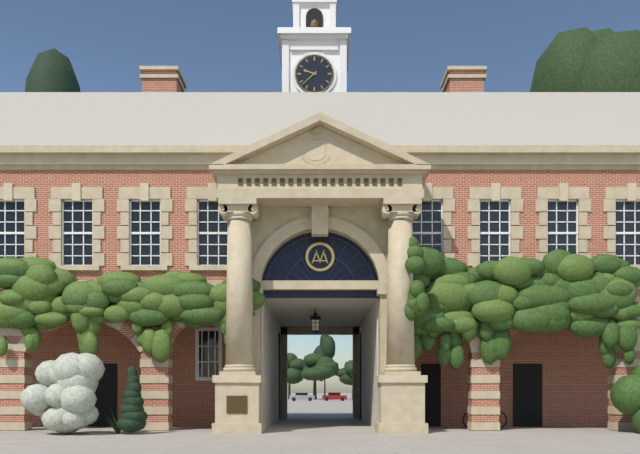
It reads **9:38**
